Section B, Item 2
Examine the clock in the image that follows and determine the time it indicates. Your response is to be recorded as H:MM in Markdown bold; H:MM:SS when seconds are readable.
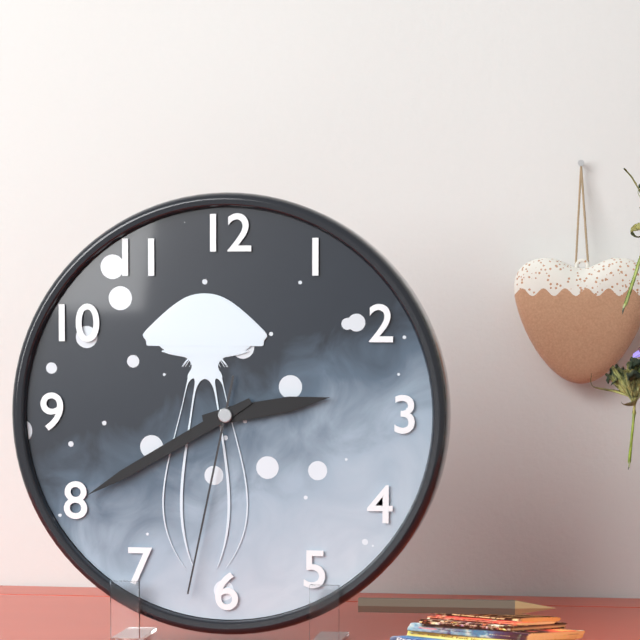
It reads **2:40:32**
